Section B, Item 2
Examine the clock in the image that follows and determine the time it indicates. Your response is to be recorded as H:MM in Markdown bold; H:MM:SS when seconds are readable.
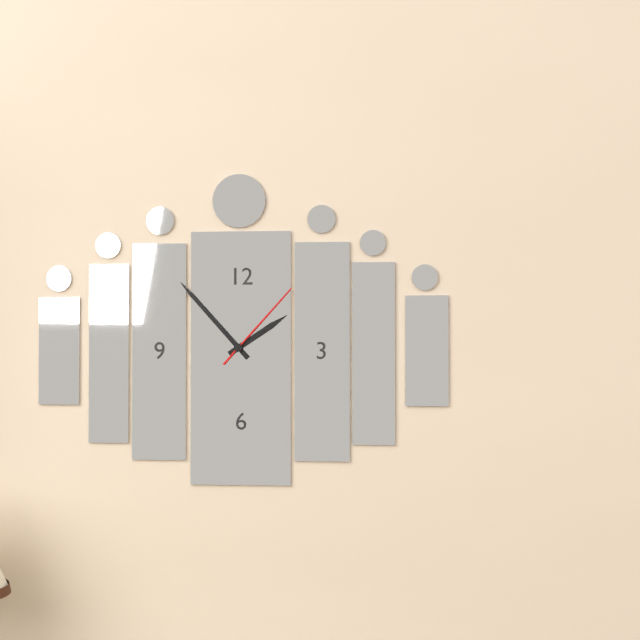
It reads **1:53:07**
